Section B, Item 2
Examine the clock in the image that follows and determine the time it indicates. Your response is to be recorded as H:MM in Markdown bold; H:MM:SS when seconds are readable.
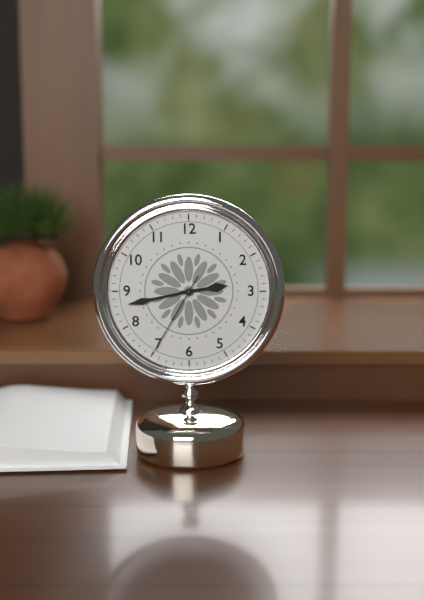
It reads **2:43:35**
